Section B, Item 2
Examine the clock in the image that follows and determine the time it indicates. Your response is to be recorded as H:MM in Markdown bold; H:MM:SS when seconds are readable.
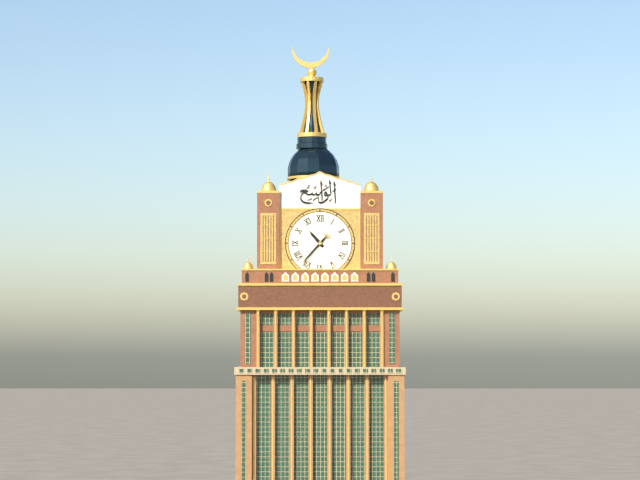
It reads **10:37**
